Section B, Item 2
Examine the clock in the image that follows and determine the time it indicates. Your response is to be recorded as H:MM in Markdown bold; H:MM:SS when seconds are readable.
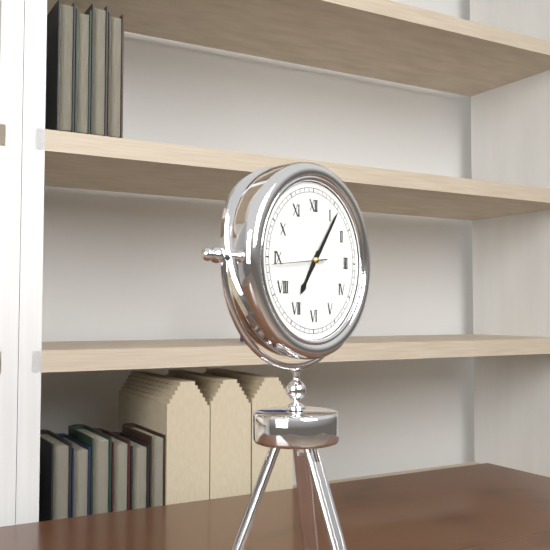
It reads **7:06**
